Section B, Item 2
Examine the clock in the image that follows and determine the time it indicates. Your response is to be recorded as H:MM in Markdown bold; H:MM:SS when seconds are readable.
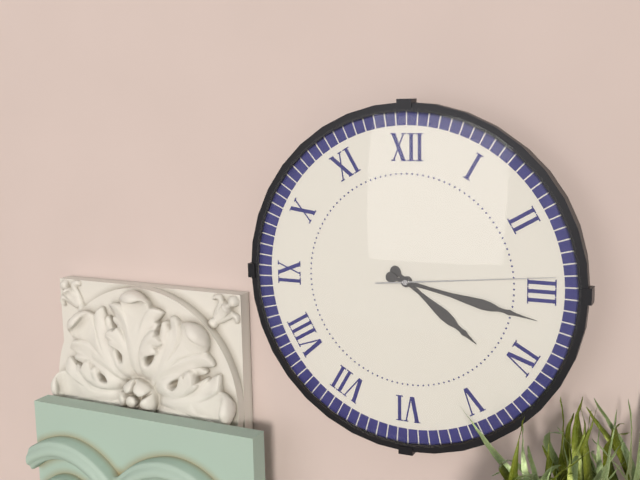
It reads **4:17:14**
